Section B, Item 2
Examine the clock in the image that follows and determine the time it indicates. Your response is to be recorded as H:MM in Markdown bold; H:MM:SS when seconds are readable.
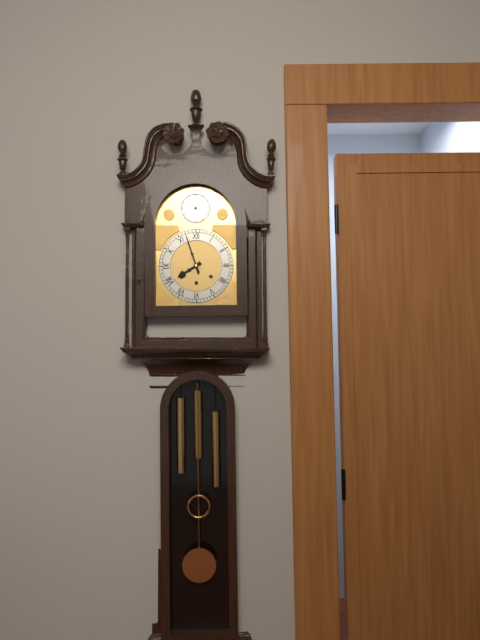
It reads **7:57**
